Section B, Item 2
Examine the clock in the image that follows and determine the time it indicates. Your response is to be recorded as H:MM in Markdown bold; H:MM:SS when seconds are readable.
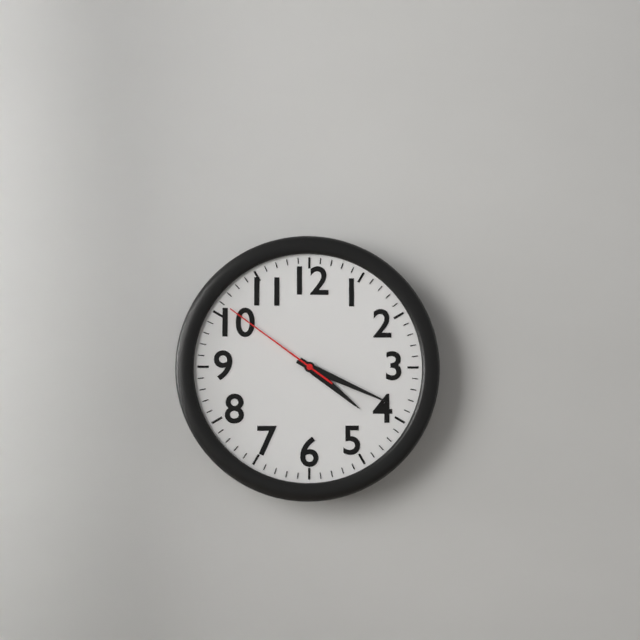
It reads **4:19:51**
